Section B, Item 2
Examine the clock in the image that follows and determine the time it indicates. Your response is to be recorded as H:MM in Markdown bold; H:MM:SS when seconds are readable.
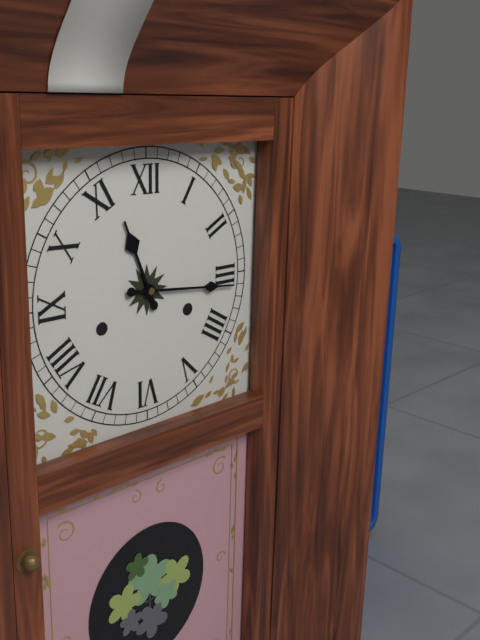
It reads **11:16**
